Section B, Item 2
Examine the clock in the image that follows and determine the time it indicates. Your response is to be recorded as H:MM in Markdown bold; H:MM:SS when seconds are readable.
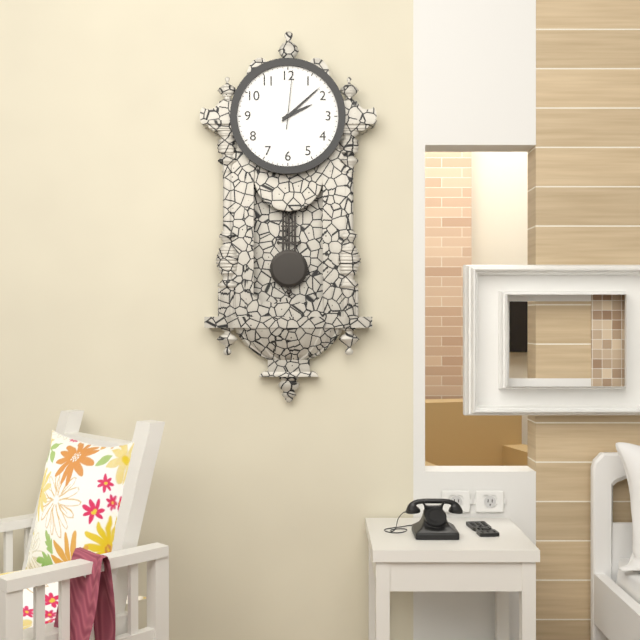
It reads **2:08:01**
